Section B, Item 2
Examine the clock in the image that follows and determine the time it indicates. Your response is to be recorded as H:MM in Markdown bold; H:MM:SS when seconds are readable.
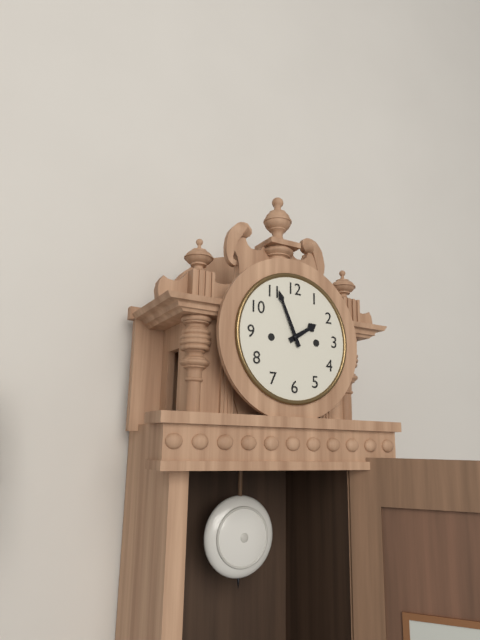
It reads **1:56**
